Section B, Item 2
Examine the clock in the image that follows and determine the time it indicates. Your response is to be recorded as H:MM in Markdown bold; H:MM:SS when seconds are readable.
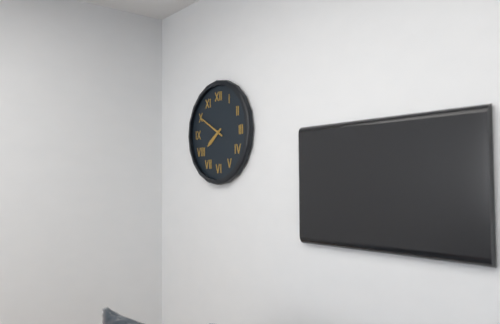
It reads **7:50**
